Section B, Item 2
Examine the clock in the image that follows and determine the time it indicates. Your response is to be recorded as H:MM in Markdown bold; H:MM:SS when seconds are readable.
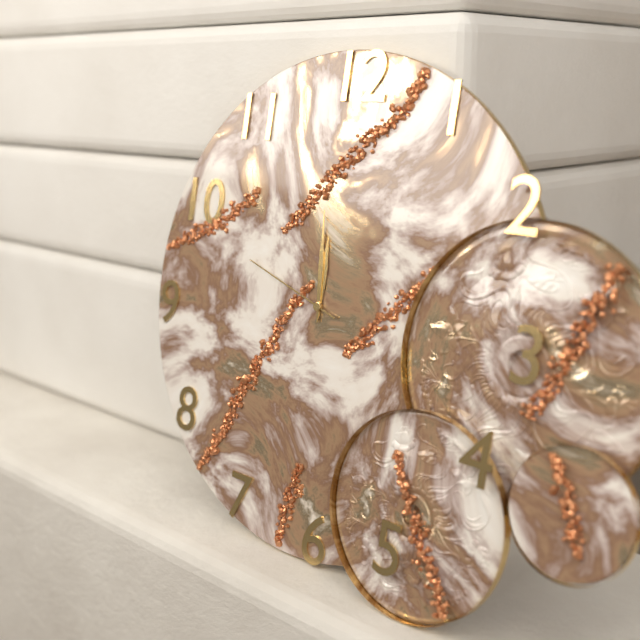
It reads **11:59:48**
